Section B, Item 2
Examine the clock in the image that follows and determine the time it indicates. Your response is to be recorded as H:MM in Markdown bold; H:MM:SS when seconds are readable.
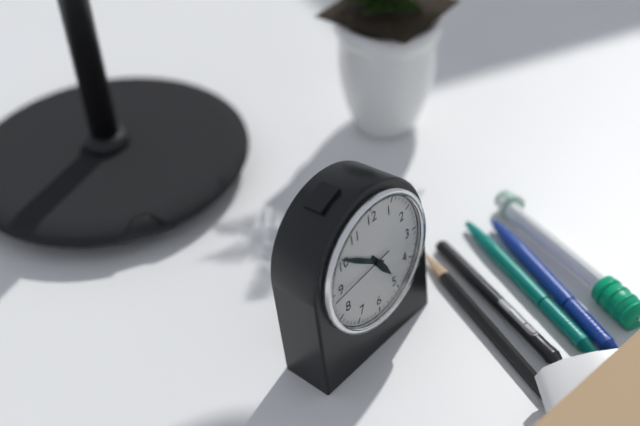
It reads **4:51:44**
